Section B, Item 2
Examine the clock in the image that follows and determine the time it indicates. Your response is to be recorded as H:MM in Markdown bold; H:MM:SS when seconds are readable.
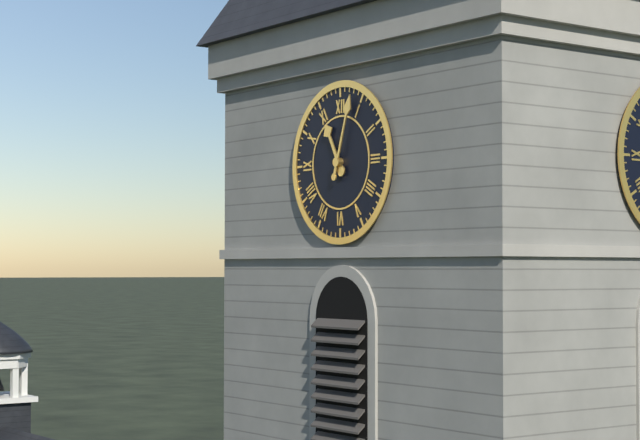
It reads **11:03**
